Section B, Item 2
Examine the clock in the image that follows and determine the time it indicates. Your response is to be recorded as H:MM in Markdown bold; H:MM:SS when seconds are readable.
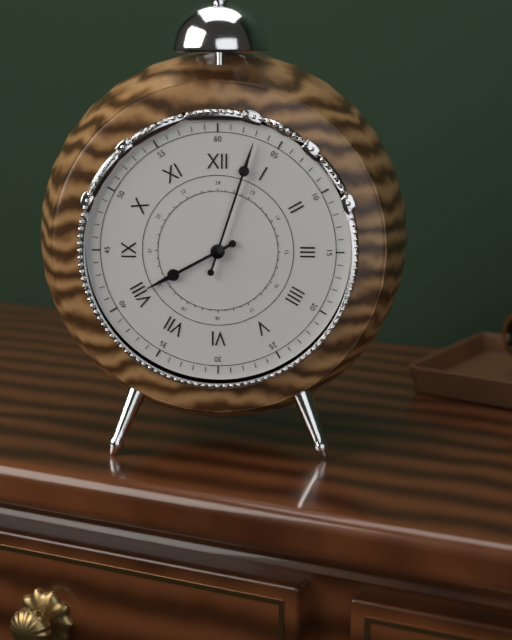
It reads **8:03**
